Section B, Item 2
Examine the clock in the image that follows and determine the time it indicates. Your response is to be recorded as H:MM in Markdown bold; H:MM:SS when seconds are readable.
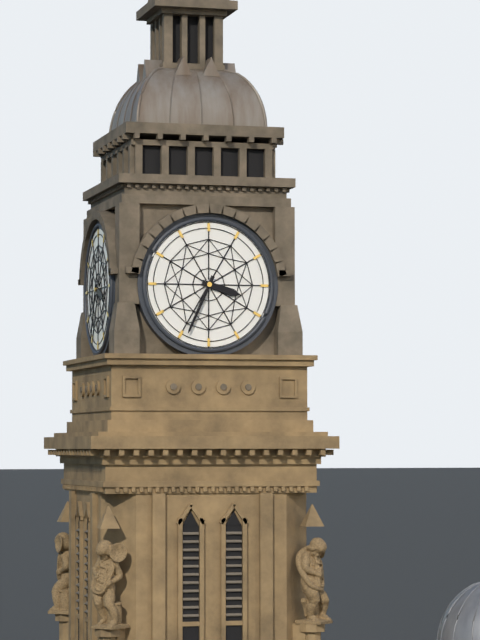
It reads **3:34**
